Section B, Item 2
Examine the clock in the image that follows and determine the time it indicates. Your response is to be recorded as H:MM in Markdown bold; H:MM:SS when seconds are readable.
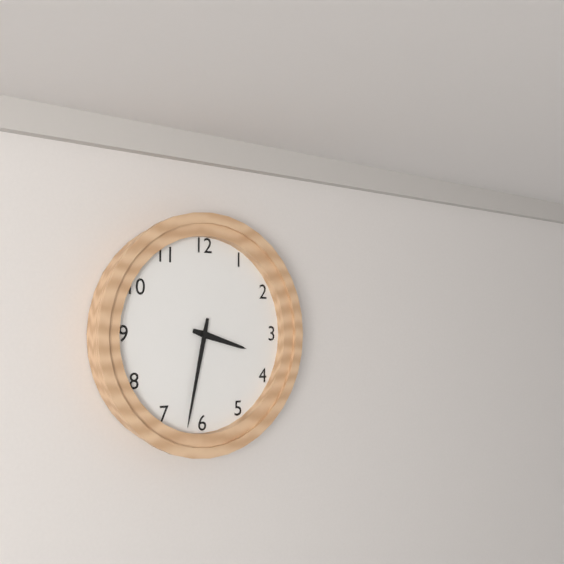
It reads **3:32**
